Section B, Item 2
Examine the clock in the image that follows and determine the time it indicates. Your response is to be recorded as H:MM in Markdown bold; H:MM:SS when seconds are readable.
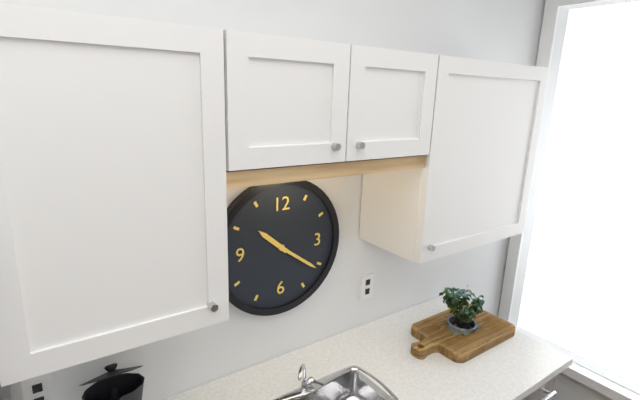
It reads **10:21**
